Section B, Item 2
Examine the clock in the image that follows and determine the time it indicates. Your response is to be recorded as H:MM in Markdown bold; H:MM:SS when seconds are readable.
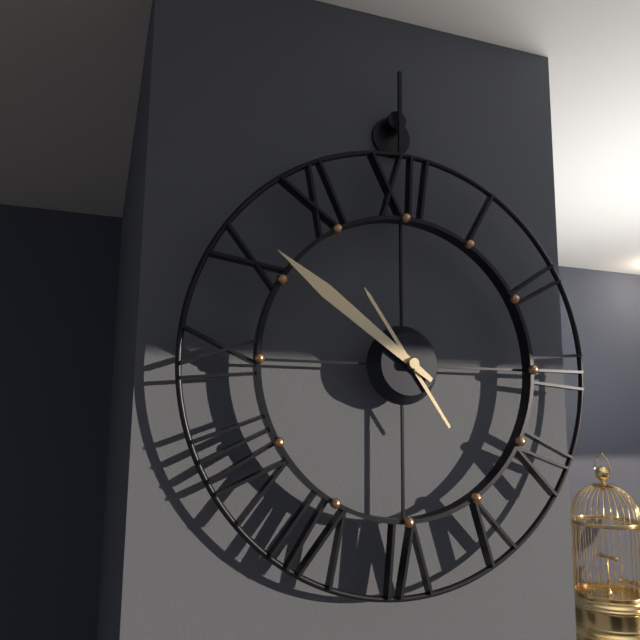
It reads **10:51**
